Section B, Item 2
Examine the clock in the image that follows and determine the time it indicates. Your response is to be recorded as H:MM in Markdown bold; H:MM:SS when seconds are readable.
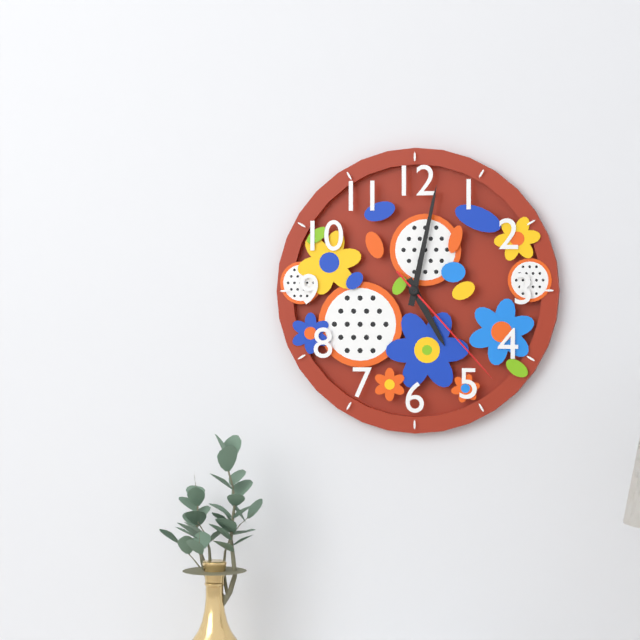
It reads **5:02:23**
